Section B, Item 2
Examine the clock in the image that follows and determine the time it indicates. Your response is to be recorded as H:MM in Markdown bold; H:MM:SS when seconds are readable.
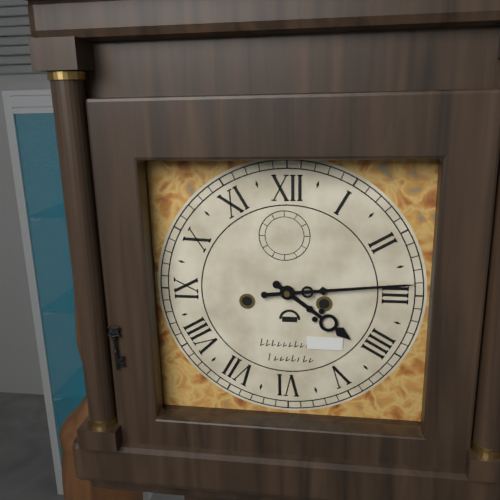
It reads **4:14**
